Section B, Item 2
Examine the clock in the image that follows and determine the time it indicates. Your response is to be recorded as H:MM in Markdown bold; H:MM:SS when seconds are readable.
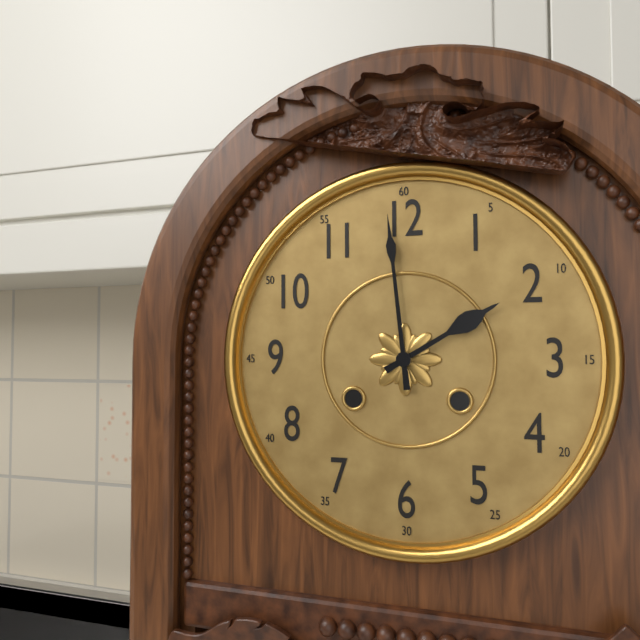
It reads **1:59**
